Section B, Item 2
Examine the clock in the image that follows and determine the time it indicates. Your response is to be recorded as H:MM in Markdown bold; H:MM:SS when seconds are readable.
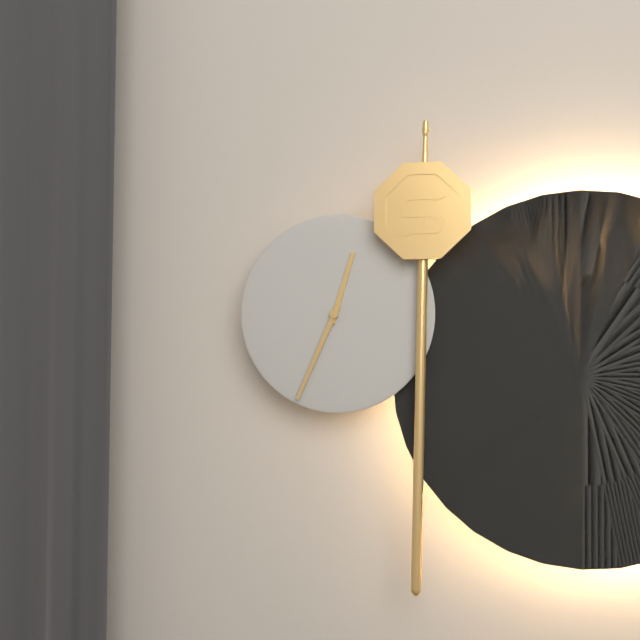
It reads **12:34**
